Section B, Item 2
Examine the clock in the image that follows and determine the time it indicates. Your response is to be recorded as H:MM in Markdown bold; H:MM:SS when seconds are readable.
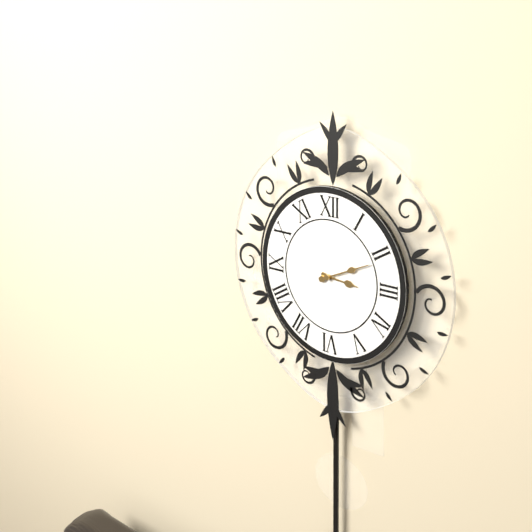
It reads **3:11**
